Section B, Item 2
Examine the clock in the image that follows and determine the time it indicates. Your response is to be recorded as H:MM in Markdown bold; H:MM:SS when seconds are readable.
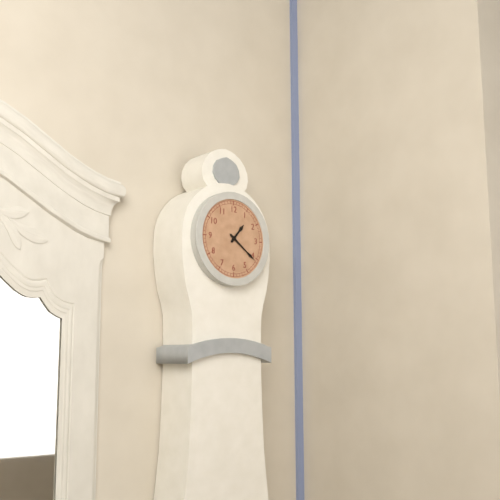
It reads **1:21**
